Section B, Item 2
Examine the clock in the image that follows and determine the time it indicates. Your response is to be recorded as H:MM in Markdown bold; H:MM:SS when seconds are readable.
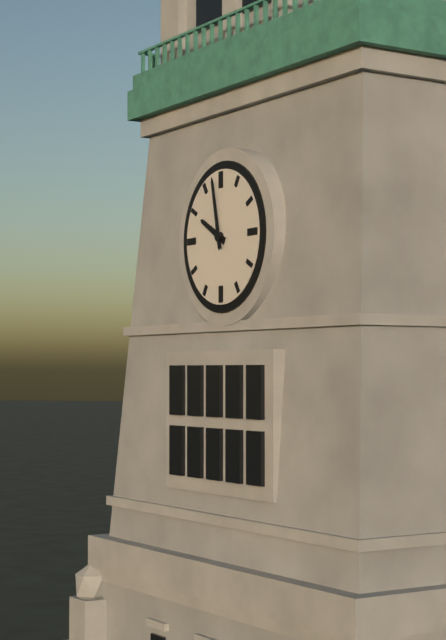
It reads **9:58**
